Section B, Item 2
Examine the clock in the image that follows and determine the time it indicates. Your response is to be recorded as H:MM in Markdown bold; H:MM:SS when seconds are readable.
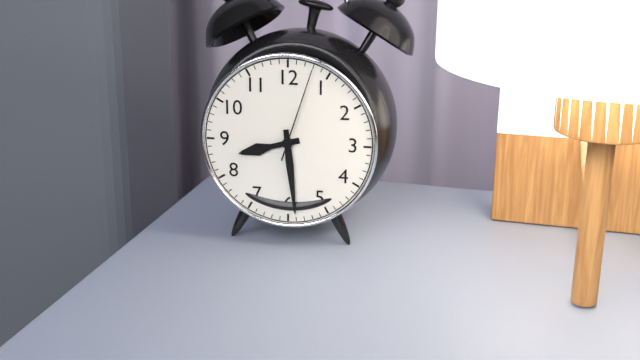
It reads **8:29:03**
